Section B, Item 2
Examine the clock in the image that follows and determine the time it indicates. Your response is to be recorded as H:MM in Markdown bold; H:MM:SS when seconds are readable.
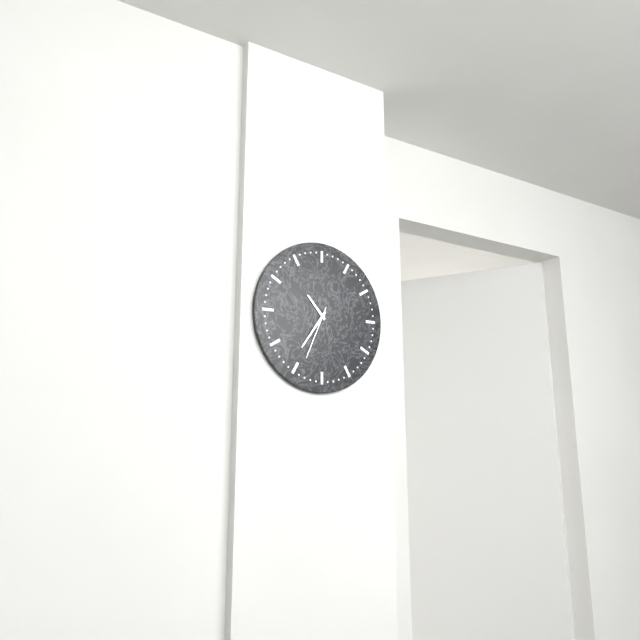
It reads **10:36:34**
